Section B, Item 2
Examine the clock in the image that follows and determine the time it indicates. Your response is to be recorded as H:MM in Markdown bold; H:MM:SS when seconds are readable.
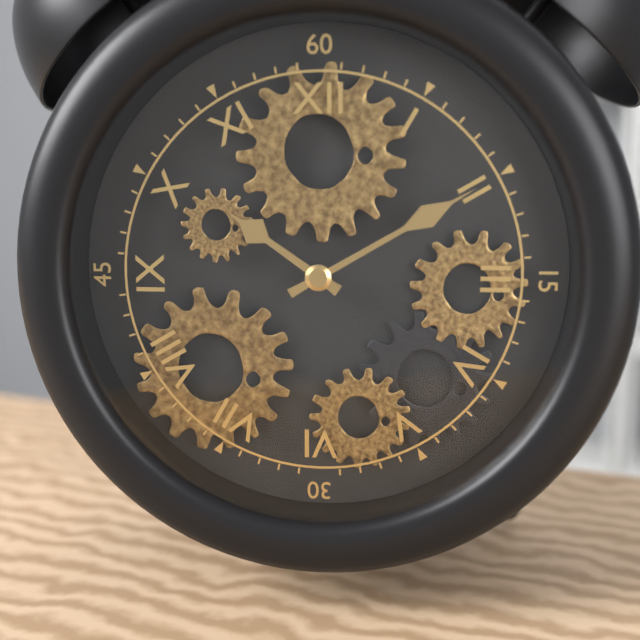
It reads **10:10**
